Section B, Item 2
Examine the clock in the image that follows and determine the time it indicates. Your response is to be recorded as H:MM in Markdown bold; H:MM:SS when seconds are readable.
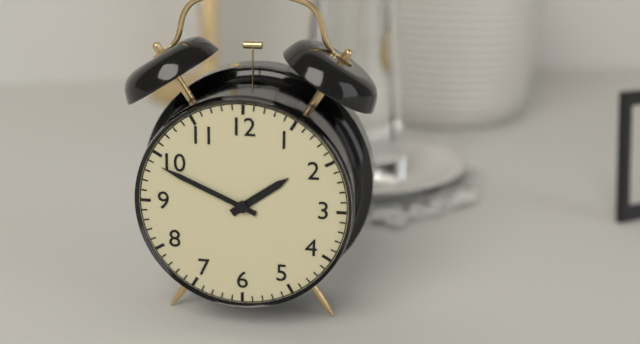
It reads **1:49**
